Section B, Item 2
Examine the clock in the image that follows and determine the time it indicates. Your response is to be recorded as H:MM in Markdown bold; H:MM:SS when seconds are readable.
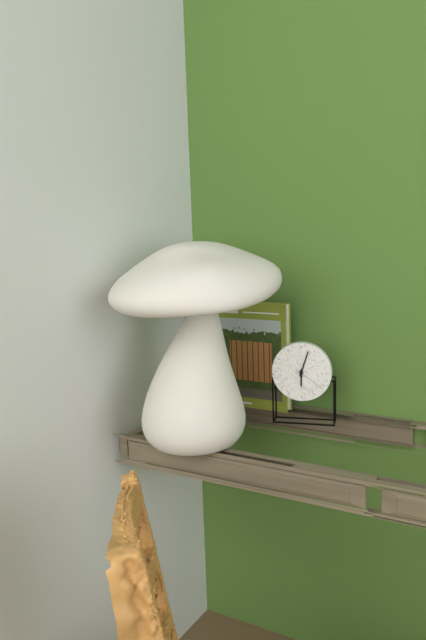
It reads **6:03**
